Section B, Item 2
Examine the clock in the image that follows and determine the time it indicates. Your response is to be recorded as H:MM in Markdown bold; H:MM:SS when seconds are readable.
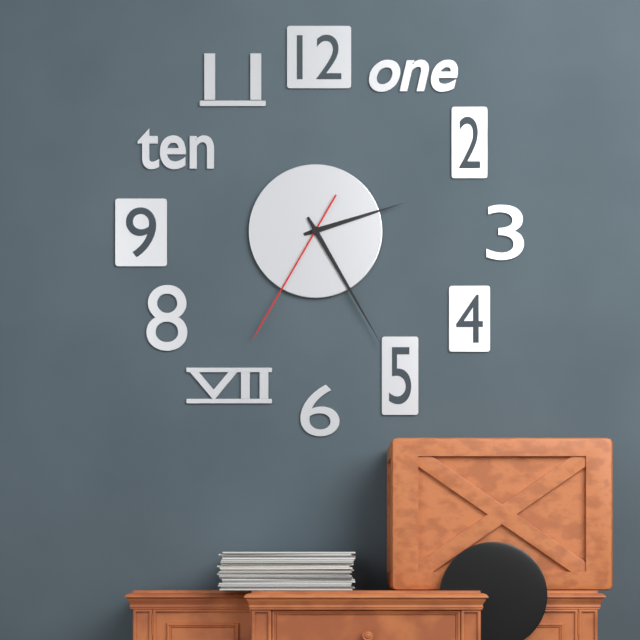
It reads **2:25:35**
